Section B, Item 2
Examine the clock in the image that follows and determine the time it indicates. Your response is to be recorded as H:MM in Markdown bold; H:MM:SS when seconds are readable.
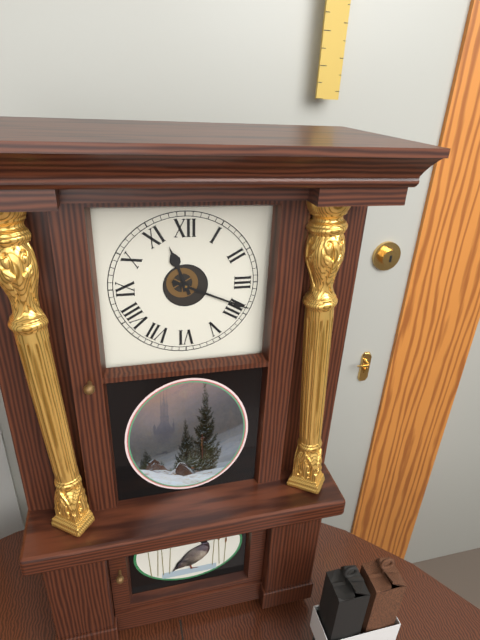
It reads **11:19**
